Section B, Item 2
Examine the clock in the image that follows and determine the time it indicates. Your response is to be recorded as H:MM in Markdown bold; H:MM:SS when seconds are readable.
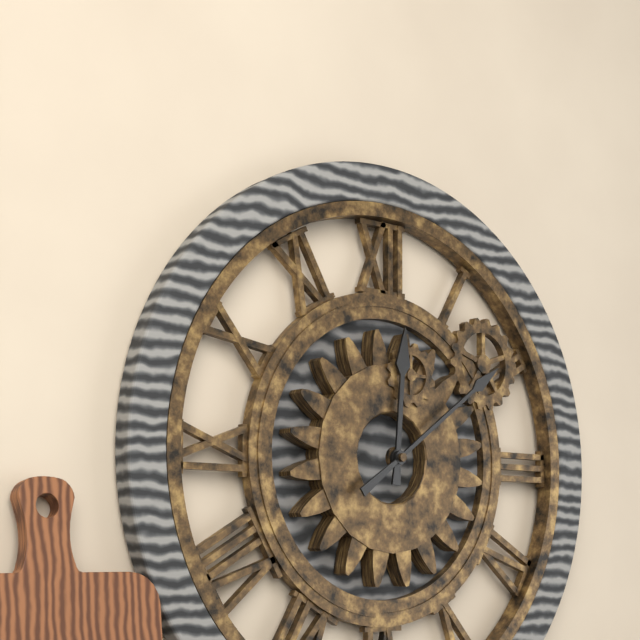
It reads **12:09**
